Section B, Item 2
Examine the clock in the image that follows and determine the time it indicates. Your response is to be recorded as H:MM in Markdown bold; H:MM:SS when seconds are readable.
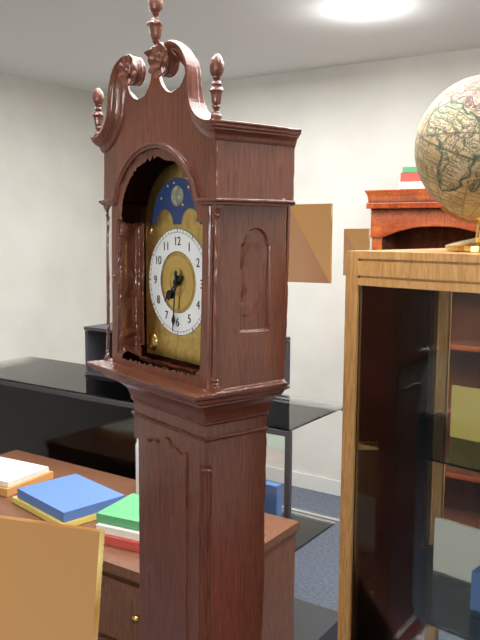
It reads **7:31**
